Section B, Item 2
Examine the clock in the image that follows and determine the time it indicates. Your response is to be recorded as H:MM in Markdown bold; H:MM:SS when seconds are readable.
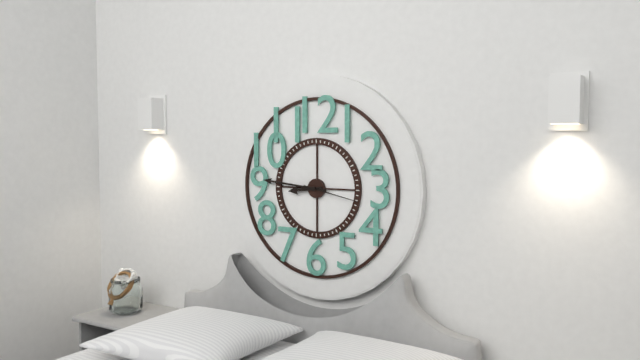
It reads **8:46:17**
